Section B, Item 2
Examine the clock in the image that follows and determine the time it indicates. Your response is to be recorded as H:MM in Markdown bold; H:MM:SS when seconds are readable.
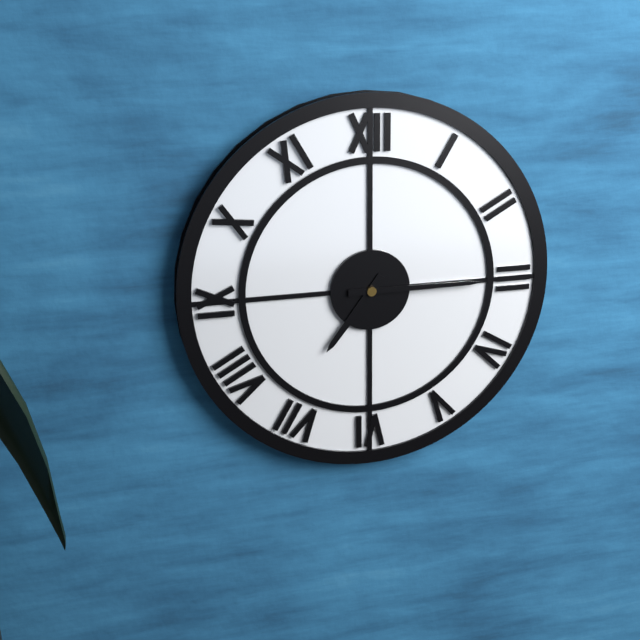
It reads **7:15**
